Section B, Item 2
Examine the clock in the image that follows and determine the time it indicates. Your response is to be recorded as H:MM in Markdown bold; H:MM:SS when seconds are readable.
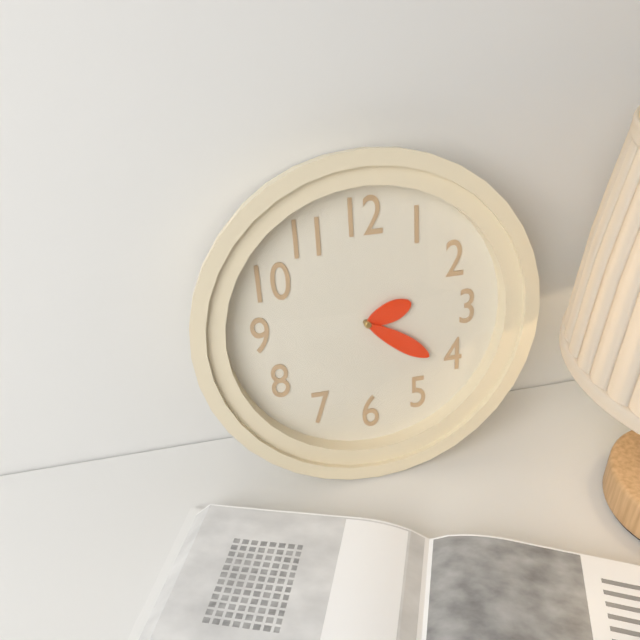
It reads **2:21**
